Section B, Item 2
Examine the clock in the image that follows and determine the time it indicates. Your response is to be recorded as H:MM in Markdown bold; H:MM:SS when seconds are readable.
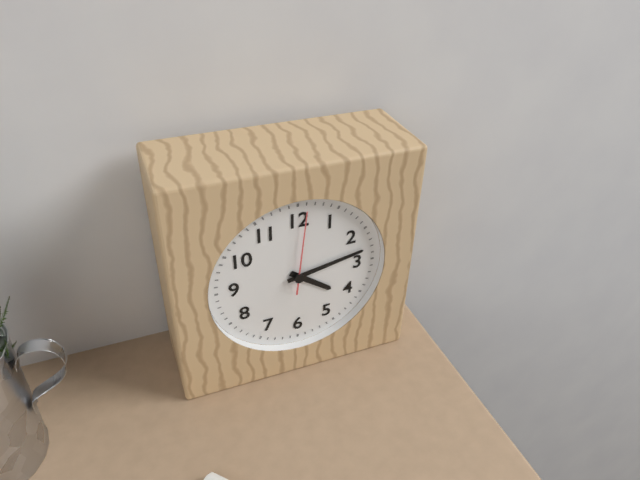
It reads **4:13:01**
